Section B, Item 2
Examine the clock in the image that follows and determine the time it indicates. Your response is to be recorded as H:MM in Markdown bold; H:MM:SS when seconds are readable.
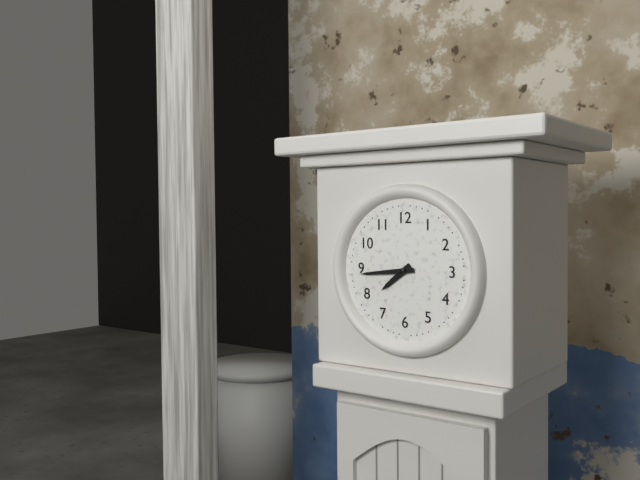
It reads **7:44**
